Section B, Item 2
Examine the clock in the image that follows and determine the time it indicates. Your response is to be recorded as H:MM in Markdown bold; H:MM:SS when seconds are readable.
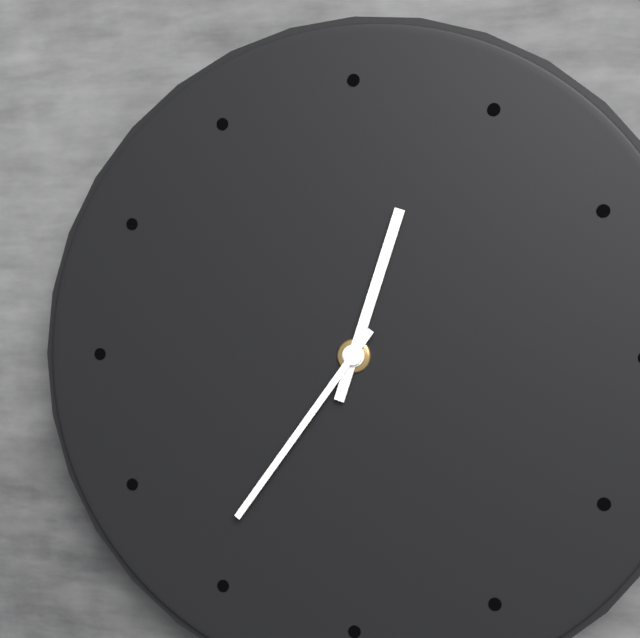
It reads **12:36**
